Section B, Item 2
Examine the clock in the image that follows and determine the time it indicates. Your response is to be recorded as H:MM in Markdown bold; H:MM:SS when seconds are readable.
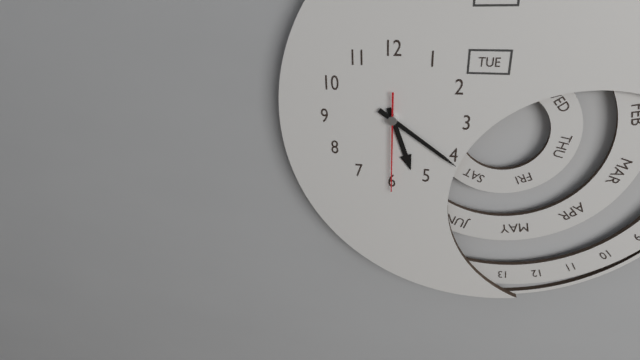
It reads **5:21:30**
